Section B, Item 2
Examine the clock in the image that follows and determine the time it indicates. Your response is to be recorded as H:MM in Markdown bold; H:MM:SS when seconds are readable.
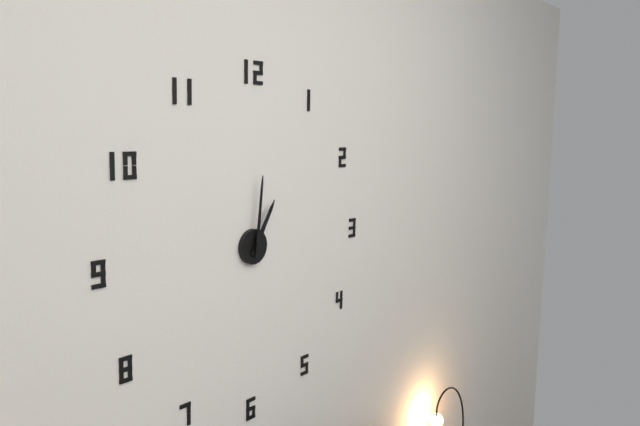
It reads **1:01**
